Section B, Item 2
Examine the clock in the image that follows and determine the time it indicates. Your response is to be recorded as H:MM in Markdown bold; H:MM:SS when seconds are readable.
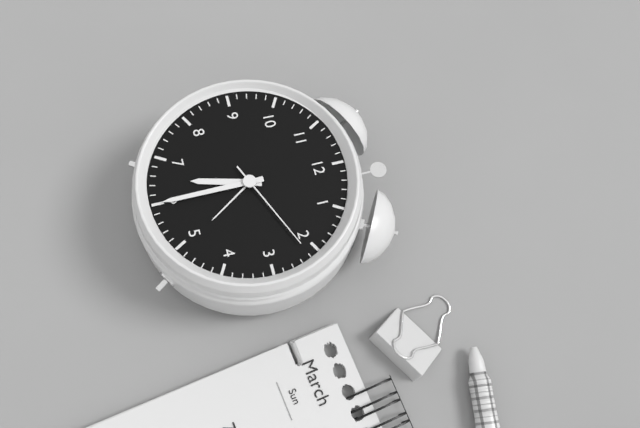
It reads **6:30:11**
